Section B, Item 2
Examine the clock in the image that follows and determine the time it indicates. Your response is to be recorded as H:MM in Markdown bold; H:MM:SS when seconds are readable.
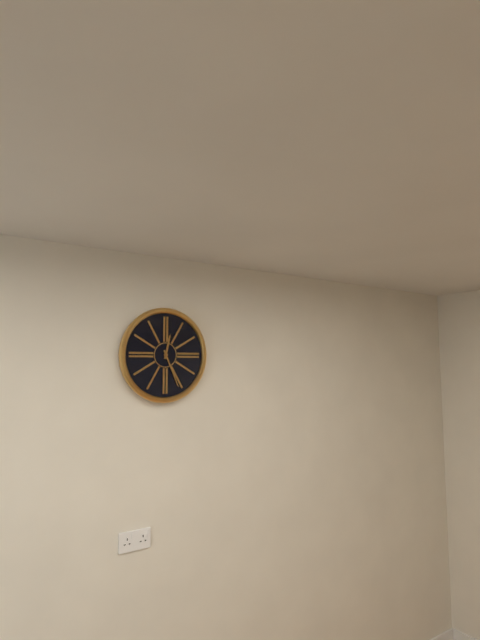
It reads **12:26**
